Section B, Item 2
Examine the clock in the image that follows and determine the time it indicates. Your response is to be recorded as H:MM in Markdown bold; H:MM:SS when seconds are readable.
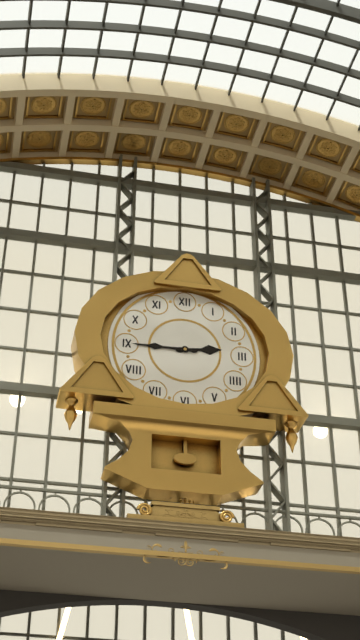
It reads **2:45**
